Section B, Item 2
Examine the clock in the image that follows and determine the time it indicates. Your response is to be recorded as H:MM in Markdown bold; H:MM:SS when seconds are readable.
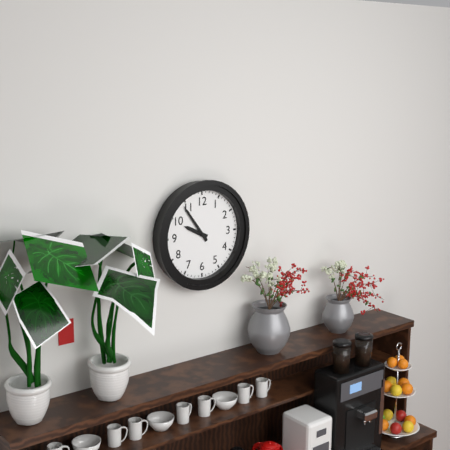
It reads **9:54**
